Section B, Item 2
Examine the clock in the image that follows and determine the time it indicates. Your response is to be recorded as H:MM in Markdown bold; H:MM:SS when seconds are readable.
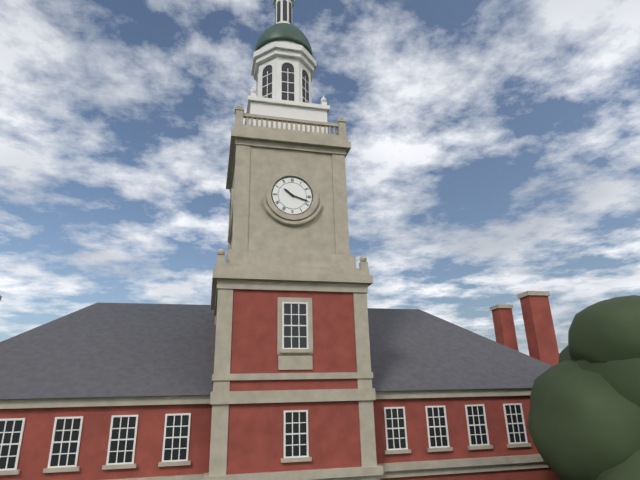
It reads **10:18**
